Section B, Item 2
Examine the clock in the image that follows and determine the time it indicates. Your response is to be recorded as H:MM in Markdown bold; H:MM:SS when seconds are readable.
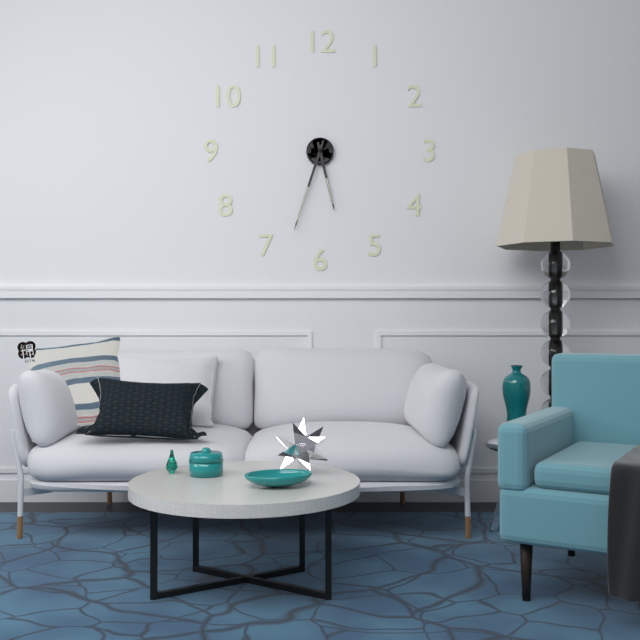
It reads **5:33**
